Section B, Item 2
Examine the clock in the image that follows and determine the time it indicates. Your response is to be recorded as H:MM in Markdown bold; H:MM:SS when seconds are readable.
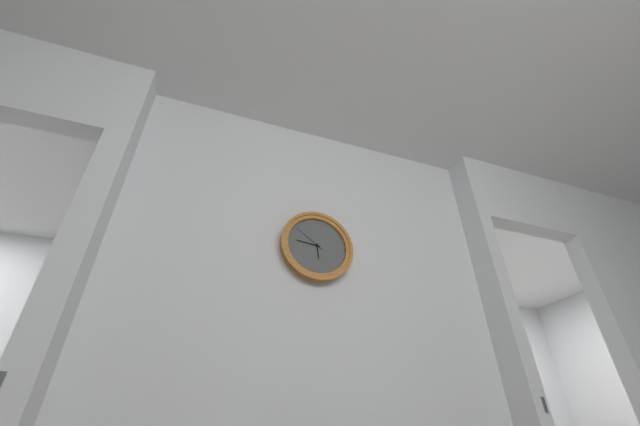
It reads **5:46**
